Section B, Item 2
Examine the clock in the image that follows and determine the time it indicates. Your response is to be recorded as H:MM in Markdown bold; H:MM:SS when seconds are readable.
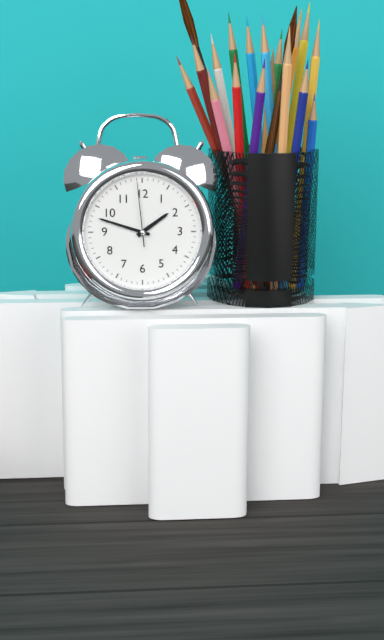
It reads **1:48:59**
